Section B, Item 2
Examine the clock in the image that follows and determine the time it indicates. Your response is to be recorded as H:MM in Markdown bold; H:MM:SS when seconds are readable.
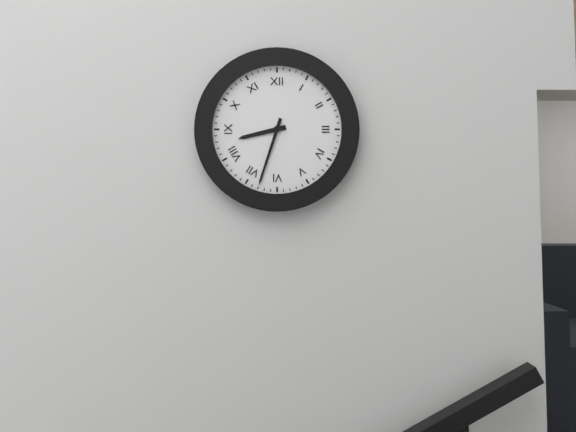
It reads **8:33**
